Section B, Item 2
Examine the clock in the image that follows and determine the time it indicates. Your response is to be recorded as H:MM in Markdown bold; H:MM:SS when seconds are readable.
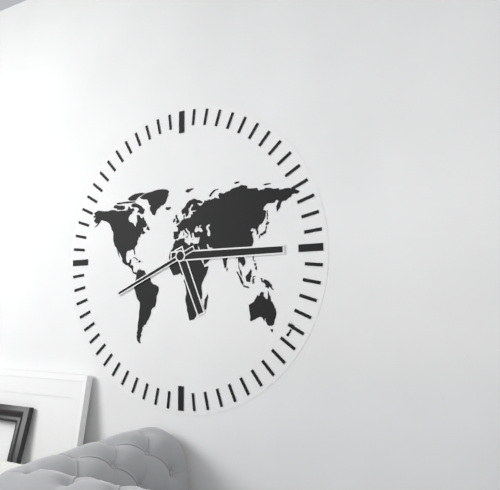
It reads **5:15:41**
